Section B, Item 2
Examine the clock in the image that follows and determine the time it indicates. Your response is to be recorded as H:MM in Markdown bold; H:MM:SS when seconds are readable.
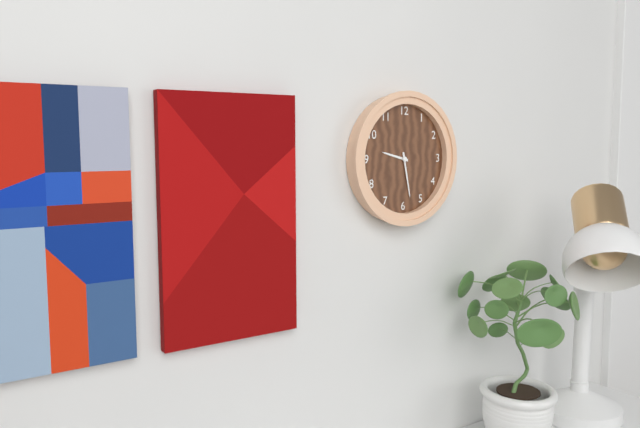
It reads **9:28**
